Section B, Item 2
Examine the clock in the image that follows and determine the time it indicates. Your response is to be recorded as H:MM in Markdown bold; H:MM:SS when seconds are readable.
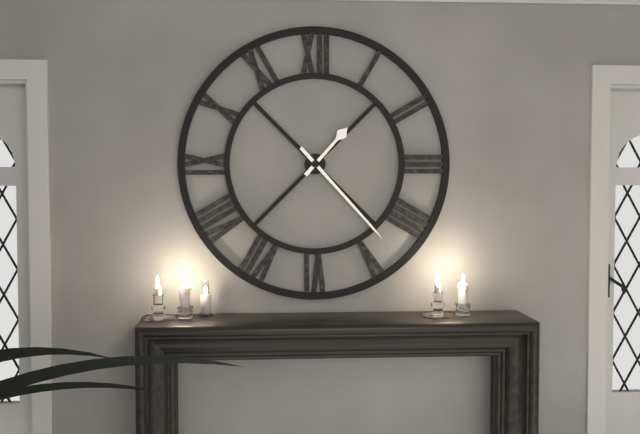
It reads **1:23**
